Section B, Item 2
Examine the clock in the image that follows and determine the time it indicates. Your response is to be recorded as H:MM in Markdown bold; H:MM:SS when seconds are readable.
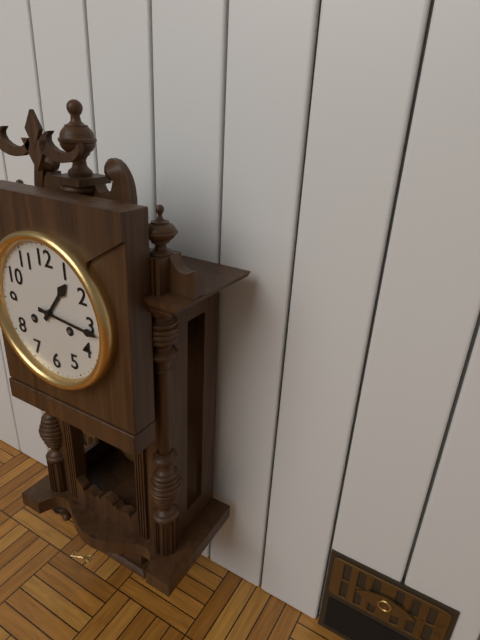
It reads **1:16**
